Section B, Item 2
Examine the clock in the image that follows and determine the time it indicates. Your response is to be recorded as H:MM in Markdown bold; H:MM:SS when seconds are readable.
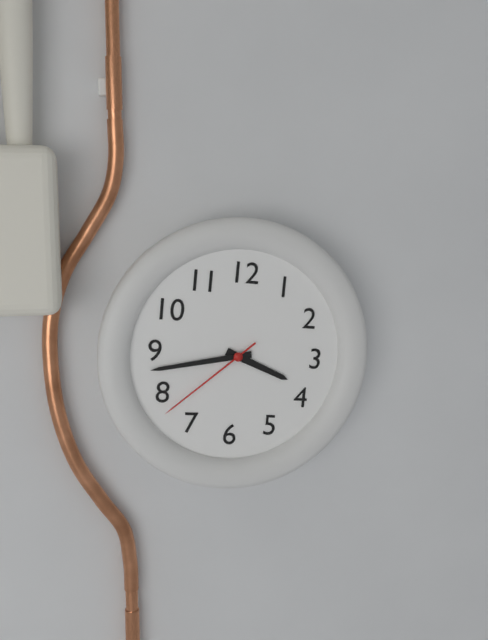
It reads **3:43:38**
